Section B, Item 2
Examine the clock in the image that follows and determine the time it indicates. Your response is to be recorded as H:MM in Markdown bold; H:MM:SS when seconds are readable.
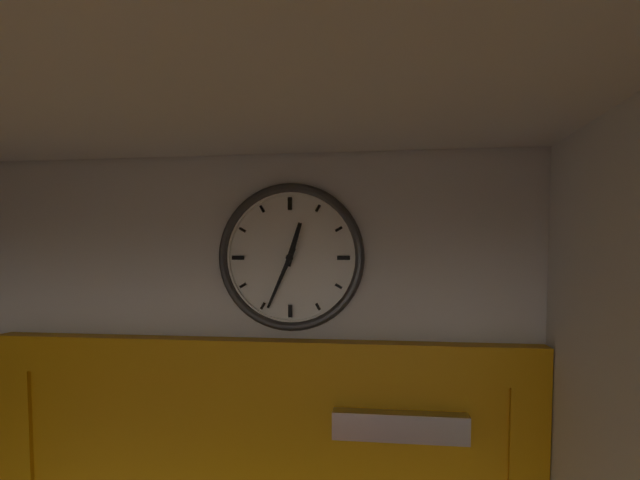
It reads **12:34**
